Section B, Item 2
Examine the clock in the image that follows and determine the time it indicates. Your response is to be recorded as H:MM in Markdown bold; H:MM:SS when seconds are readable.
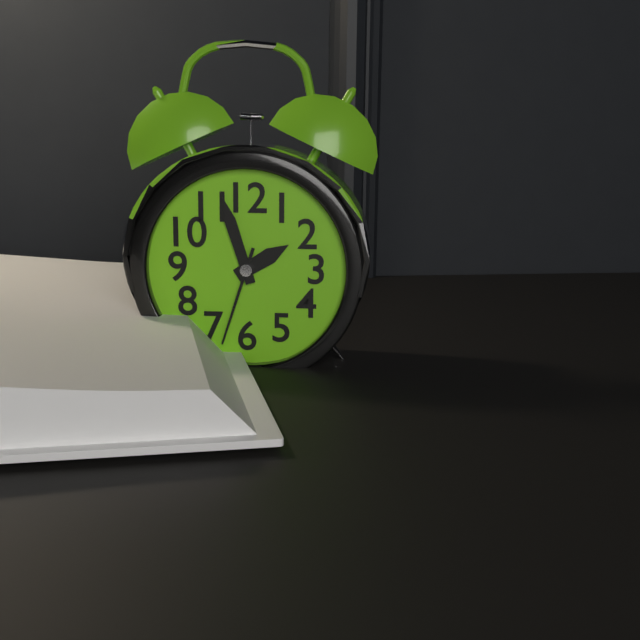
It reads **1:57:33**
